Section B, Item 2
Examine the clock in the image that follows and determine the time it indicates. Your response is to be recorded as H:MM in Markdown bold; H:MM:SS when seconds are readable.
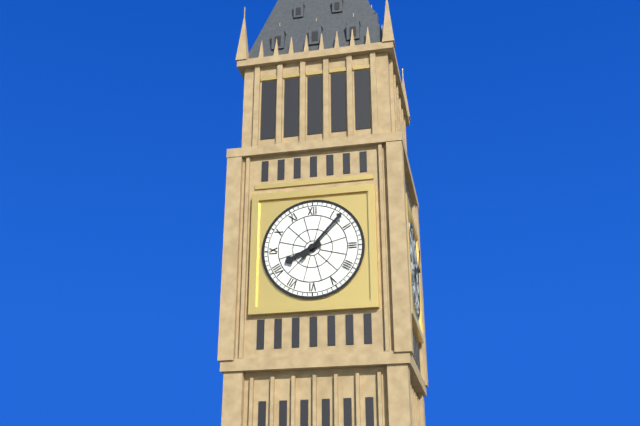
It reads **8:07**
